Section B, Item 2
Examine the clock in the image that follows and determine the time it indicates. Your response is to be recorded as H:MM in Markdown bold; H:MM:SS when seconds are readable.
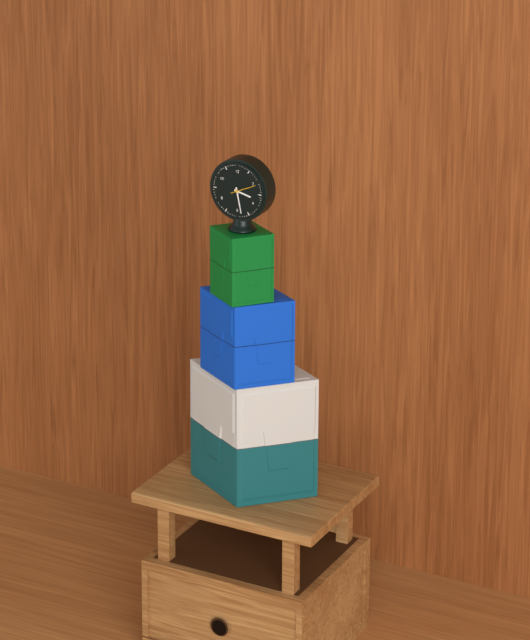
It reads **3:28**
